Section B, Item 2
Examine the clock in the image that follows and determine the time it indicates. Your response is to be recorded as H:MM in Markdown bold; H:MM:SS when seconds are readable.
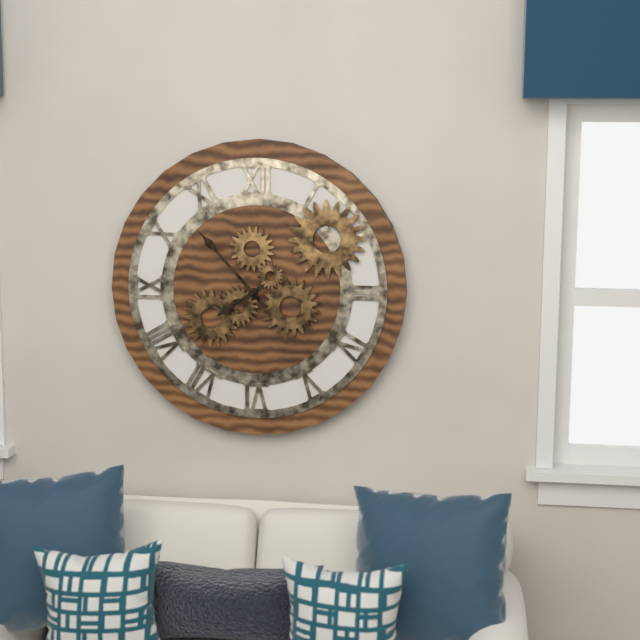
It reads **7:53**
